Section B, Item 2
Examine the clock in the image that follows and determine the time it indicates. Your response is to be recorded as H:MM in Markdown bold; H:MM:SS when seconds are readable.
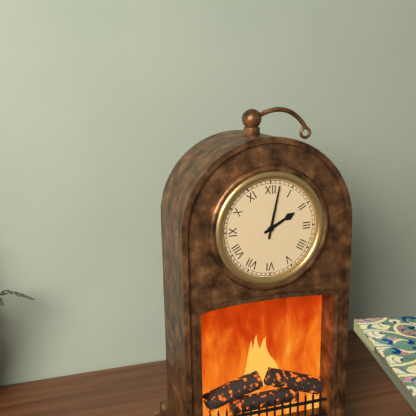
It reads **2:02**
